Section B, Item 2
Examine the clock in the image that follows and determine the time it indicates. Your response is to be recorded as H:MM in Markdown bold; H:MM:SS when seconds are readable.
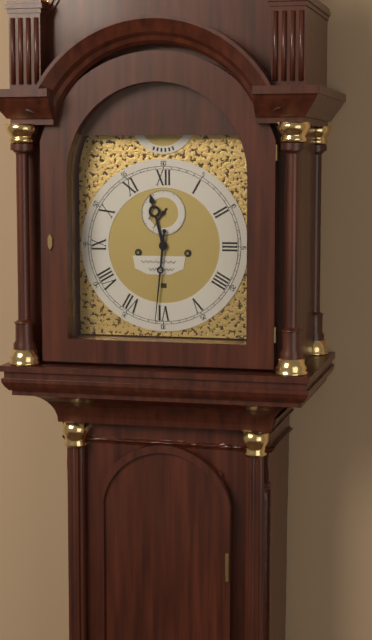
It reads **11:31**
